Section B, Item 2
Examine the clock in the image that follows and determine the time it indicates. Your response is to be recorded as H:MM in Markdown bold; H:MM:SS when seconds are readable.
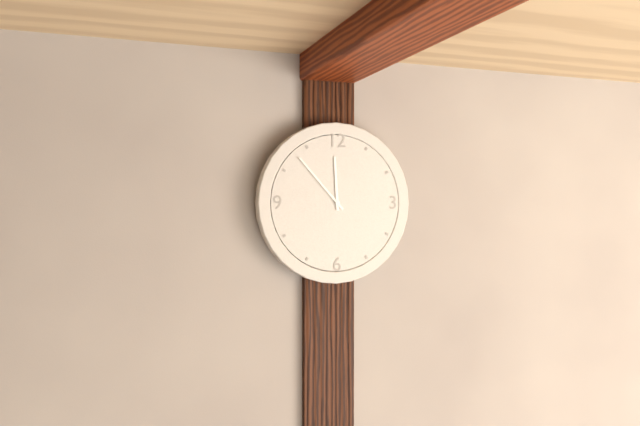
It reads **11:53**
